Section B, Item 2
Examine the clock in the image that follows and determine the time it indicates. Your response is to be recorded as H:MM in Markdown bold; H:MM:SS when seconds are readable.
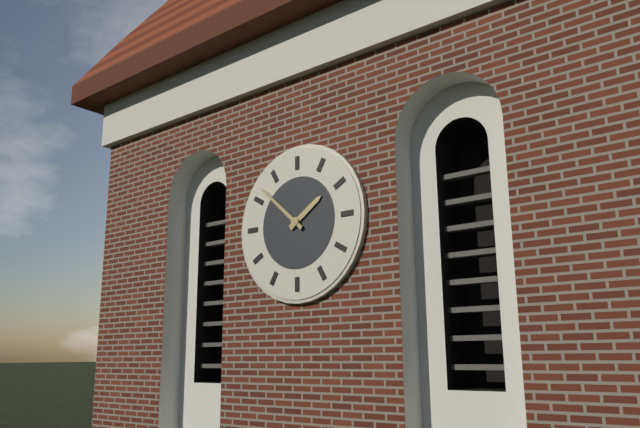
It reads **1:52**
